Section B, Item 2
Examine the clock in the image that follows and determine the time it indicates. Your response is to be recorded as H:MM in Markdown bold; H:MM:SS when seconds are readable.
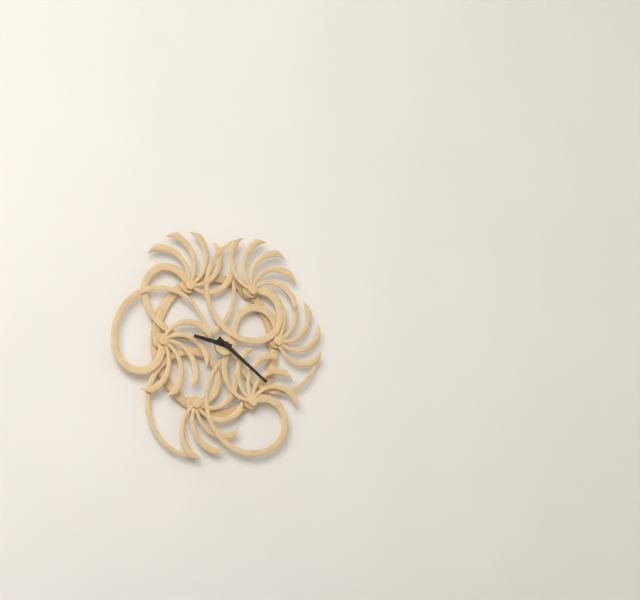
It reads **9:21**
